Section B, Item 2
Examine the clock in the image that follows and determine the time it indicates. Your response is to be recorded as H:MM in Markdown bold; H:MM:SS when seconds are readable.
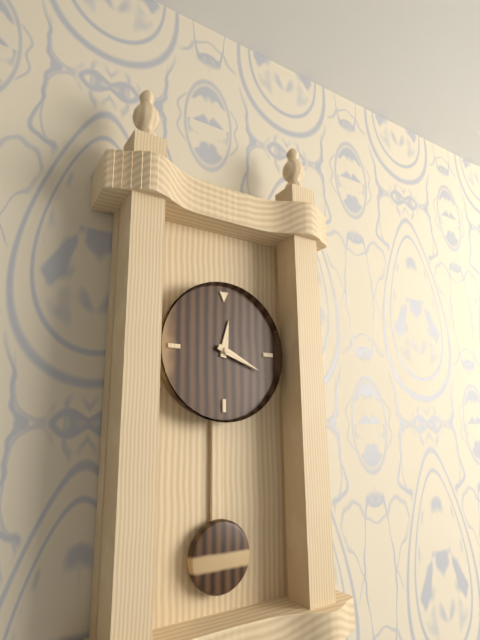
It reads **12:19**
